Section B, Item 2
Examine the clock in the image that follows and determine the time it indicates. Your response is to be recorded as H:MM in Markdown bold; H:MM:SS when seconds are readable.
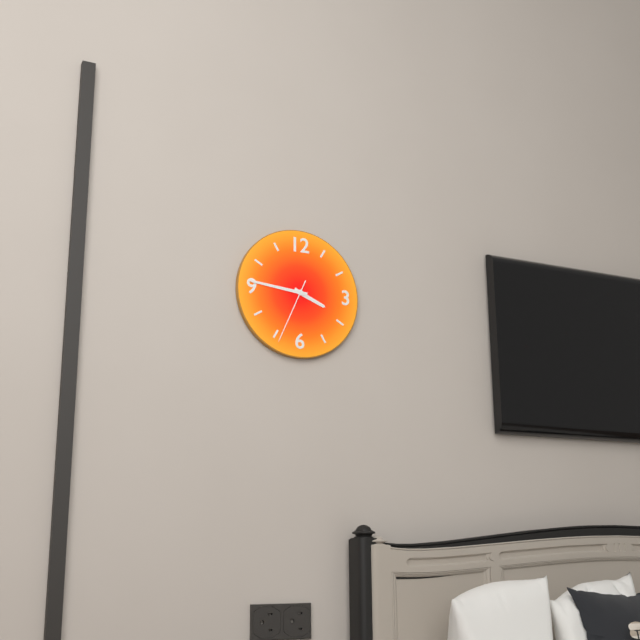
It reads **3:46:34**
